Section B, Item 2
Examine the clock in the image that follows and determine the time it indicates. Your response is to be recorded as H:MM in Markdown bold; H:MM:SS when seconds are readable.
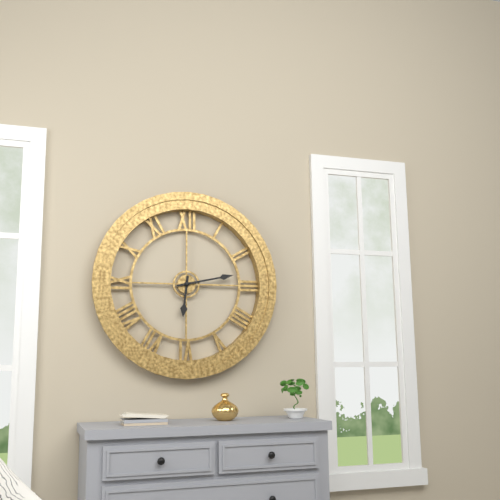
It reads **6:13**
